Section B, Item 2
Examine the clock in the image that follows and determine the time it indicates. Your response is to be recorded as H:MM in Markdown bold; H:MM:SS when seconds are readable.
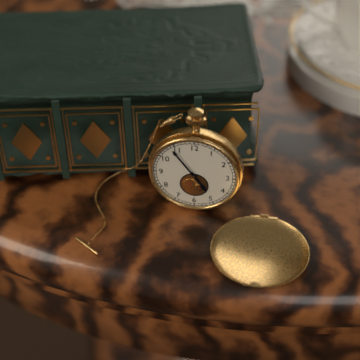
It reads **4:54**
